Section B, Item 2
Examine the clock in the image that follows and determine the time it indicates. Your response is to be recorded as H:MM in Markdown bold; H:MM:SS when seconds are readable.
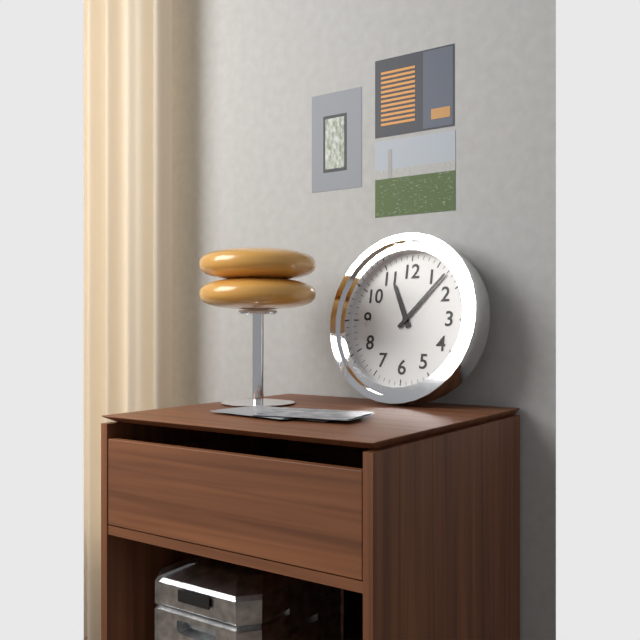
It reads **11:07**
